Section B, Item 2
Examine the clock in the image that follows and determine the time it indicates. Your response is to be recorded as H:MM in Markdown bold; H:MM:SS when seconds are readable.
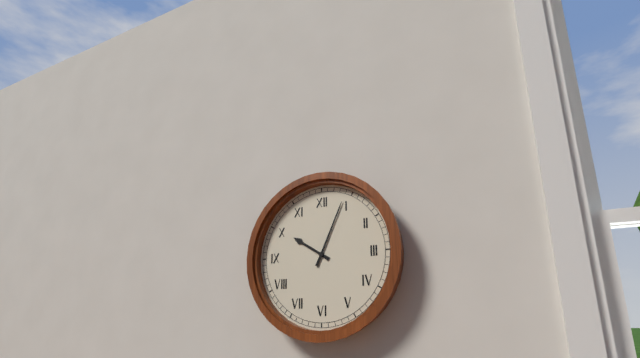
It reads **10:04**
